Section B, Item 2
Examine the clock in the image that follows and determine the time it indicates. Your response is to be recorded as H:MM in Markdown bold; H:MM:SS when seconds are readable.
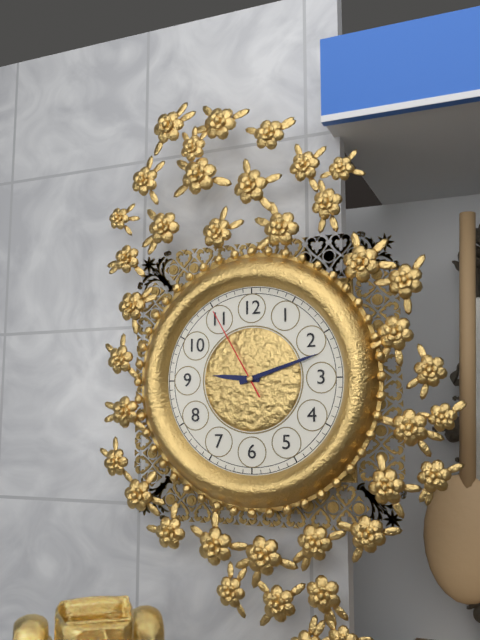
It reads **9:12:55**
